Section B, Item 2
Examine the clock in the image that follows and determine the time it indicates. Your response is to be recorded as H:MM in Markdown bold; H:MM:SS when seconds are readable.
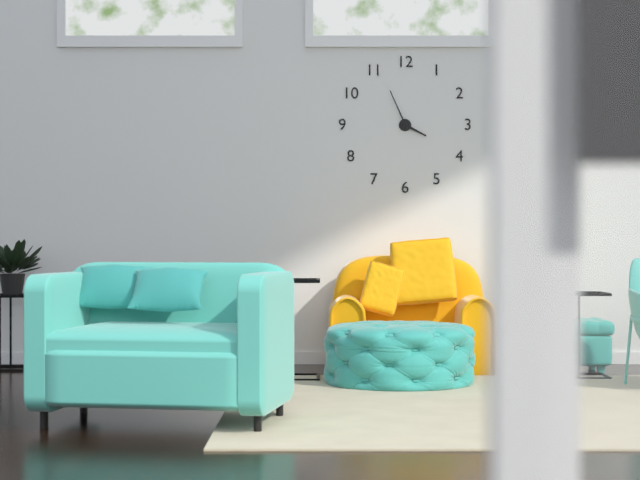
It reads **3:56**
